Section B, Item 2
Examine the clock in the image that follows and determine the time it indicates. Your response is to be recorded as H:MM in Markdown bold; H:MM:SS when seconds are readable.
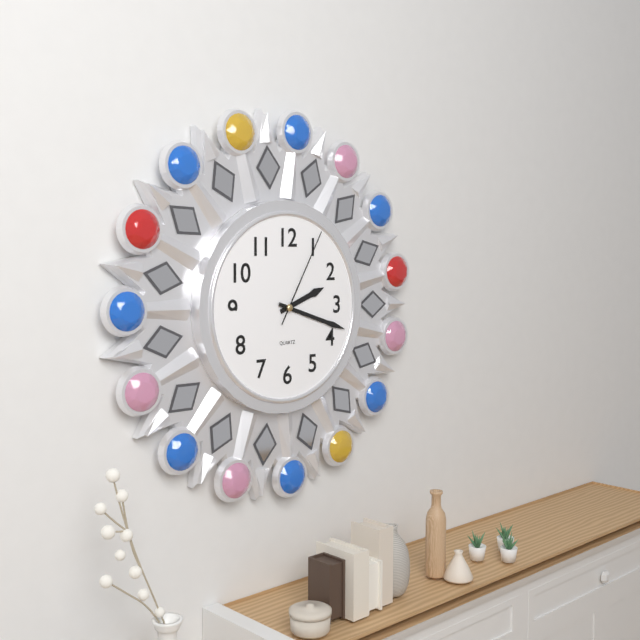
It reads **2:18:05**
